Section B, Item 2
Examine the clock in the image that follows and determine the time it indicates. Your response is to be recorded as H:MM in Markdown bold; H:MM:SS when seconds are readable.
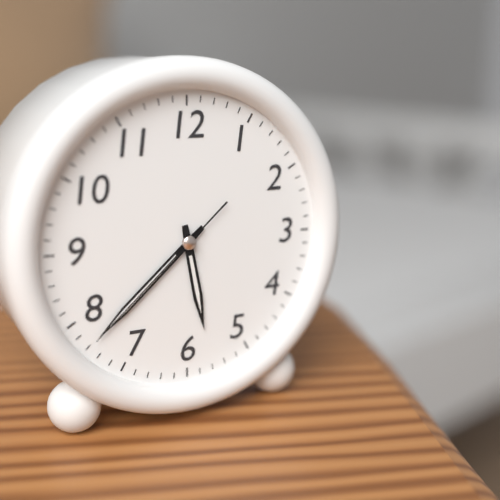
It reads **5:38:38**
